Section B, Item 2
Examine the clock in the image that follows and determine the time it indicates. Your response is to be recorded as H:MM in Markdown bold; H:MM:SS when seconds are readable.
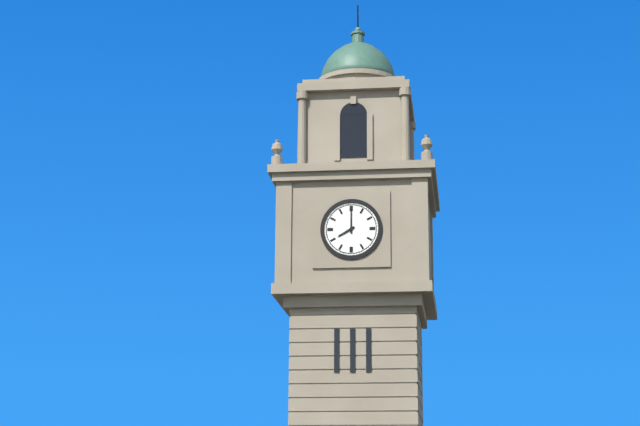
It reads **8:00**
